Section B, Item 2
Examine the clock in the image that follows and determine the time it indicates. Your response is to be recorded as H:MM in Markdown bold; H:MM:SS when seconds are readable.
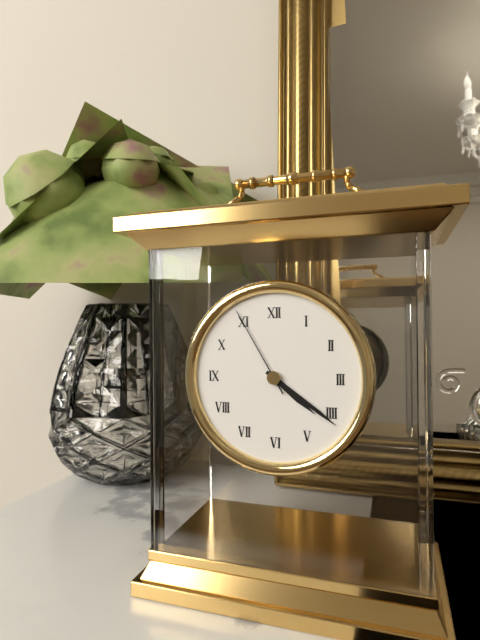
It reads **4:21:55**
